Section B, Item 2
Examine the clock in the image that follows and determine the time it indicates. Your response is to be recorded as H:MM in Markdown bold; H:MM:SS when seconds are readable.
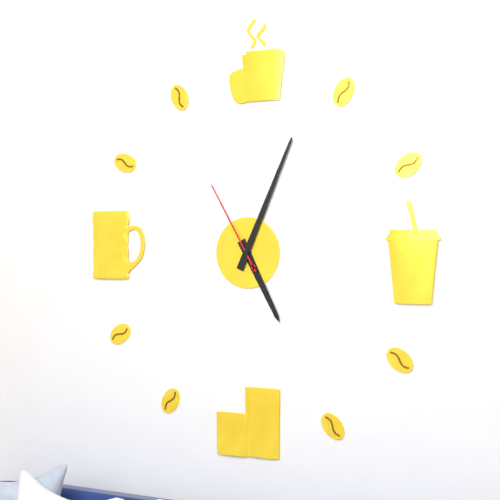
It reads **5:04:55**
